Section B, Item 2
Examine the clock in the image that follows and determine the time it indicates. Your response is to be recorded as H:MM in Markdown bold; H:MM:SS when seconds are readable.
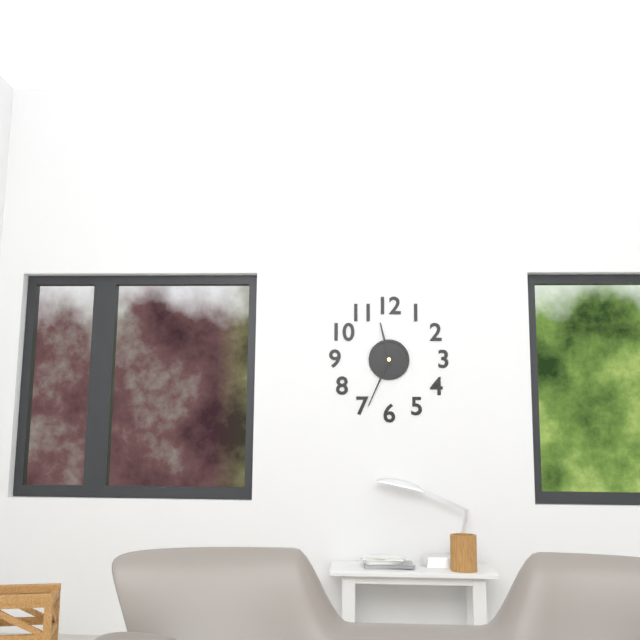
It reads **11:34**
